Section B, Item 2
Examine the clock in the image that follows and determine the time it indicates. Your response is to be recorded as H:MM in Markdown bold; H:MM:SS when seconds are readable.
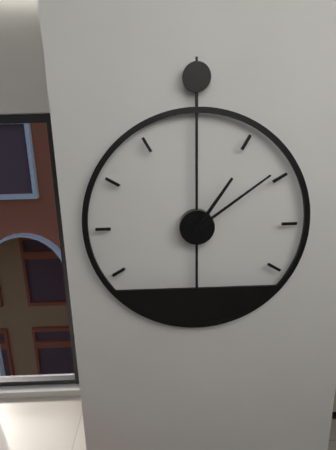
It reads **1:09**
